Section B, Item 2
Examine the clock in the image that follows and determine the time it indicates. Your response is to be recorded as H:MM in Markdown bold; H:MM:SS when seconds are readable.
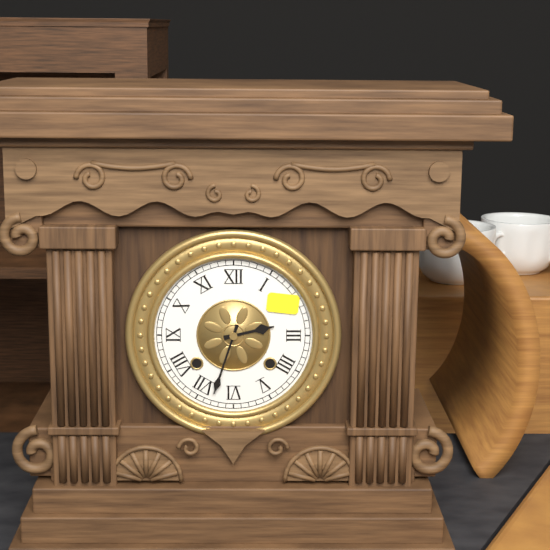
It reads **2:33**
